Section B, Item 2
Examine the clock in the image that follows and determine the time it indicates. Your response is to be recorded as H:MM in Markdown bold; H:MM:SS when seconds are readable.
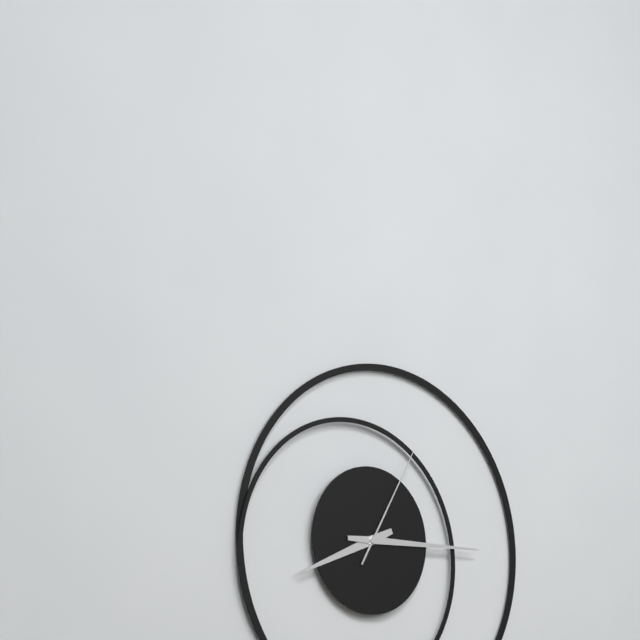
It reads **8:15:05**
